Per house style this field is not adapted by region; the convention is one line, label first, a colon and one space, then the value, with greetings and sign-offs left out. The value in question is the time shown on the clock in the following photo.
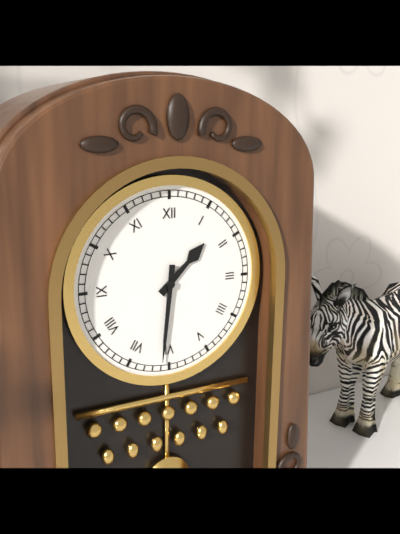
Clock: 1:31
